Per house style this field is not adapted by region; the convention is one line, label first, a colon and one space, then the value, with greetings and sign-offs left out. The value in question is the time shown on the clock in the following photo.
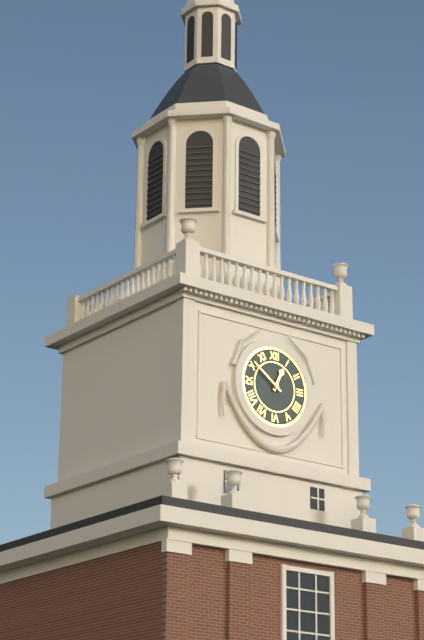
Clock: 12:51
